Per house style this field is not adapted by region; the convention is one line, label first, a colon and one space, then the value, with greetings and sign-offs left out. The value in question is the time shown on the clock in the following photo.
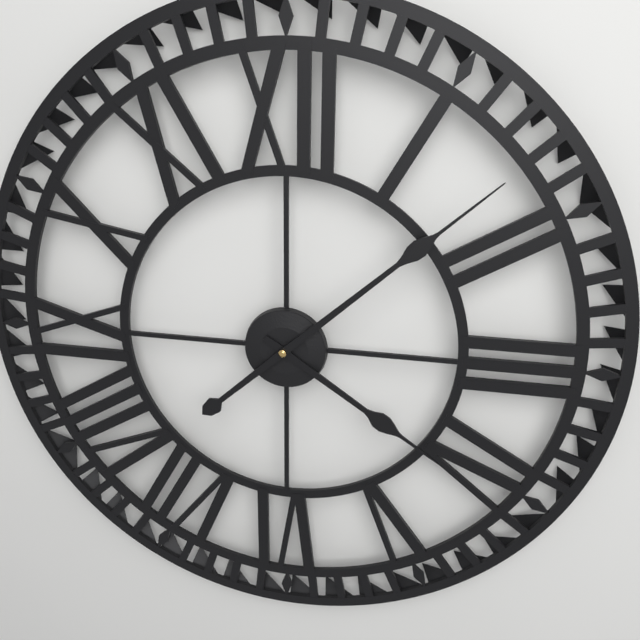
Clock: 4:08
